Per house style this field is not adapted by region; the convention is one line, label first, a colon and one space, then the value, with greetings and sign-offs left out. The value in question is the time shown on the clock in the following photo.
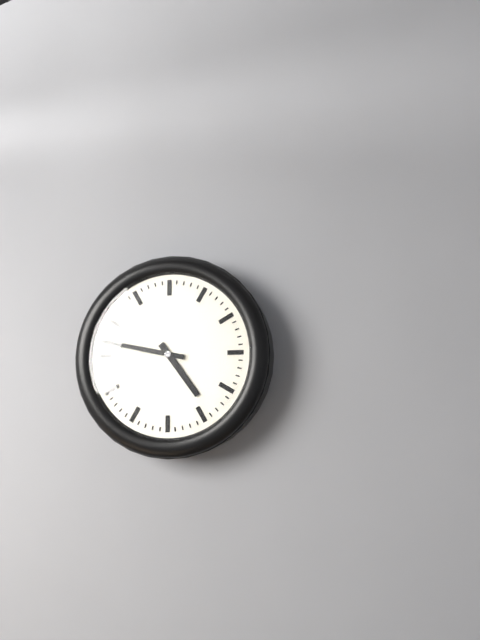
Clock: 4:47
